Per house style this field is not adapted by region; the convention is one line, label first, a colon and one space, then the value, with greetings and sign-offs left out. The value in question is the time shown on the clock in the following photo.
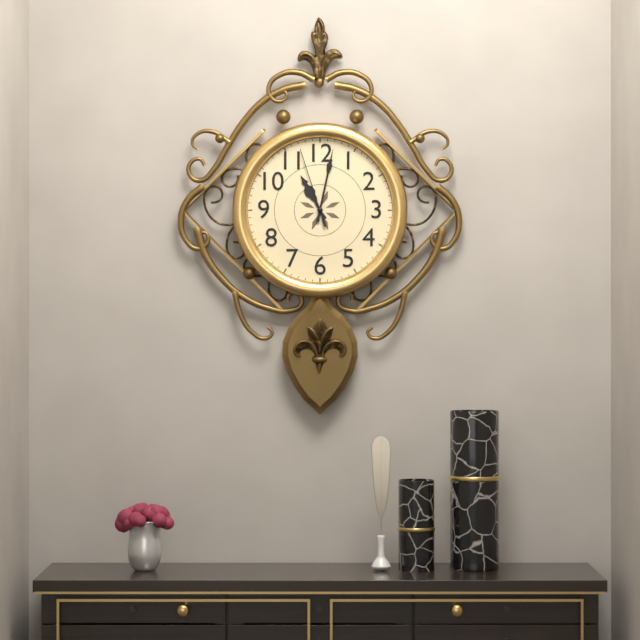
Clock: 11:02:57
